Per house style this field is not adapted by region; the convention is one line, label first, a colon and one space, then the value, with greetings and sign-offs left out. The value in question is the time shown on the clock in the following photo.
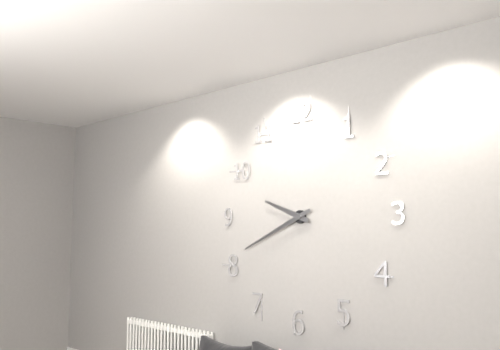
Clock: 9:41
